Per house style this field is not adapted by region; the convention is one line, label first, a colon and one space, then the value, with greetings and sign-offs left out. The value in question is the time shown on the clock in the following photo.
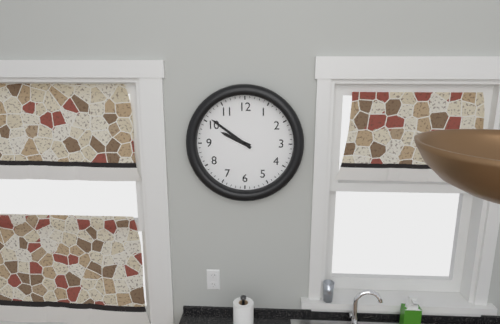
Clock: 9:51
